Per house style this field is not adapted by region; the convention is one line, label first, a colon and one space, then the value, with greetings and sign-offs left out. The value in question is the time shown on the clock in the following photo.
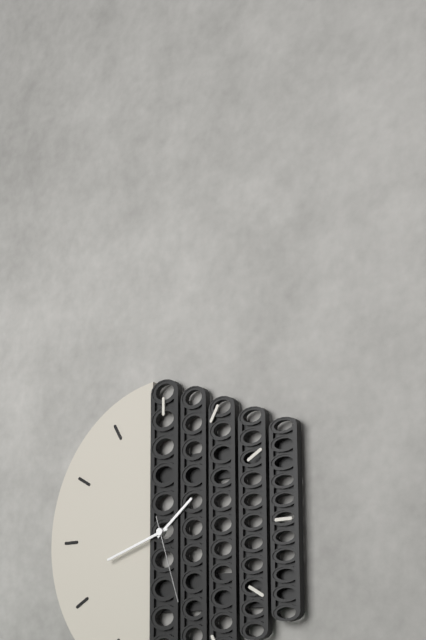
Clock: 1:42:27
